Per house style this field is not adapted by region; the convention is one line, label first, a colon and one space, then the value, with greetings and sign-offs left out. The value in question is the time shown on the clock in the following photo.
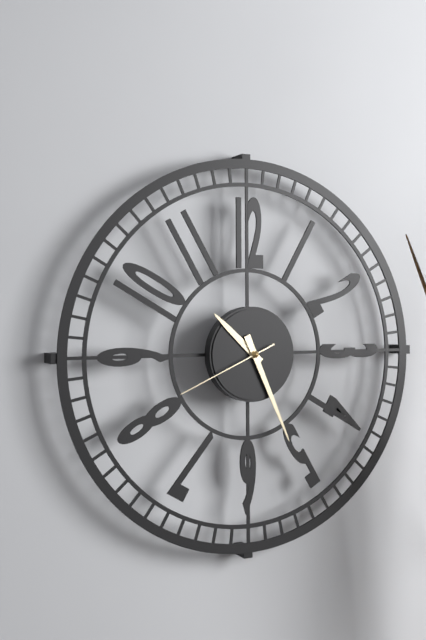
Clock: 10:26:41
